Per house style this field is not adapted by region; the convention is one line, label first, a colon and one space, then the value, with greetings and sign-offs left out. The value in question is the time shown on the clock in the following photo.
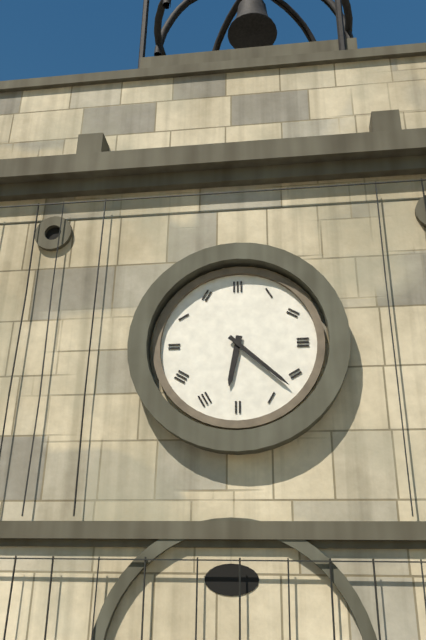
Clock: 6:22
